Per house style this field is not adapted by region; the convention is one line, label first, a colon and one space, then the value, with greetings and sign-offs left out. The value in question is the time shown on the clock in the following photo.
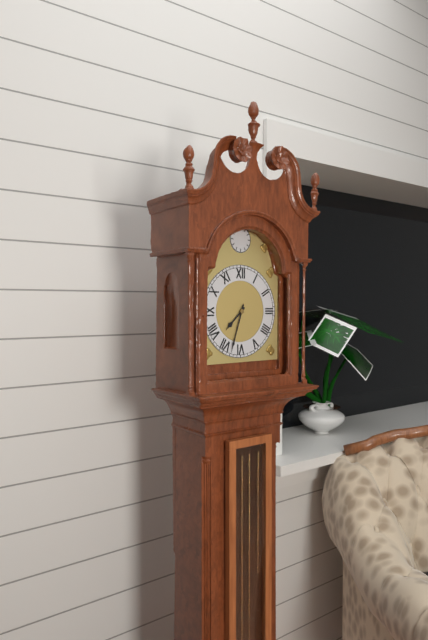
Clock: 7:33
